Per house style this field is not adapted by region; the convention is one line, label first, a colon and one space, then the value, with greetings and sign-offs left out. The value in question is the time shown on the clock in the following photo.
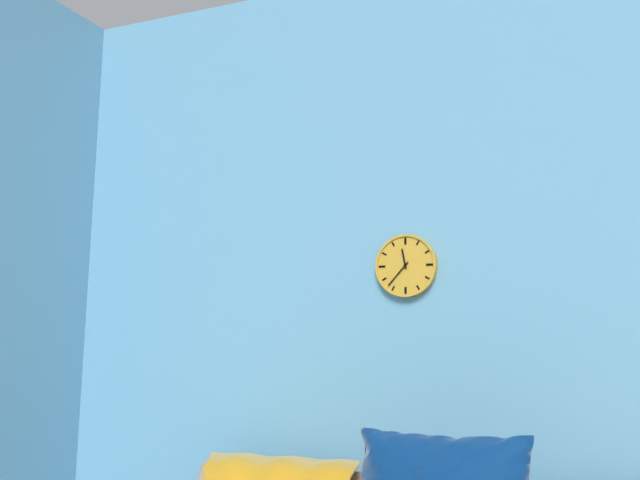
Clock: 11:37
